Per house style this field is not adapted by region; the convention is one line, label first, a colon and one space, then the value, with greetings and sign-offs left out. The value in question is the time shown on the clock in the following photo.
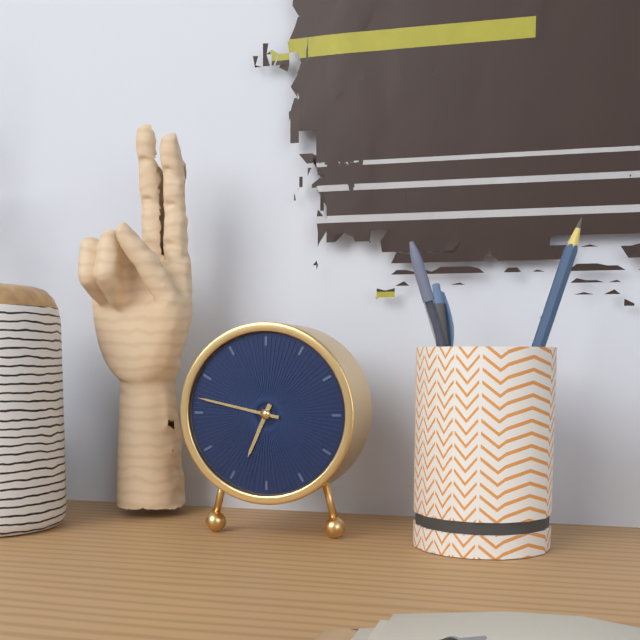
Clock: 6:47
